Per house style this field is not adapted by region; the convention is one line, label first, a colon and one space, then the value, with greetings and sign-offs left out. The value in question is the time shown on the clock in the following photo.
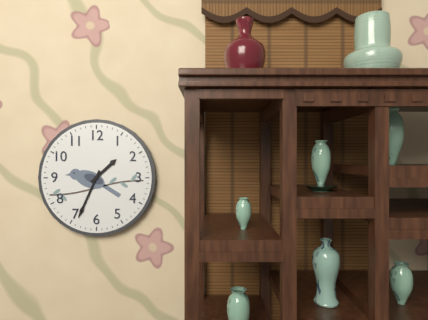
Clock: 1:34
